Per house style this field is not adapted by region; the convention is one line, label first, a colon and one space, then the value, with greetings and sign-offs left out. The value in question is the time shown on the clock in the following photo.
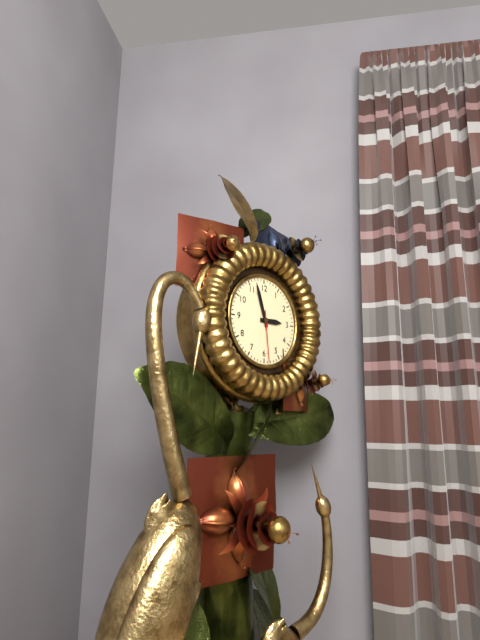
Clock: 2:57:29
